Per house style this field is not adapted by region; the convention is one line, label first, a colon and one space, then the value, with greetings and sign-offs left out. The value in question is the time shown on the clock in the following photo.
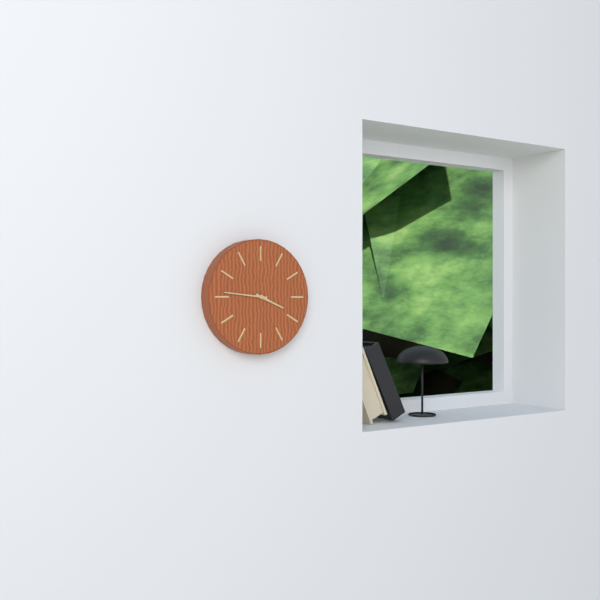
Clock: 3:46
